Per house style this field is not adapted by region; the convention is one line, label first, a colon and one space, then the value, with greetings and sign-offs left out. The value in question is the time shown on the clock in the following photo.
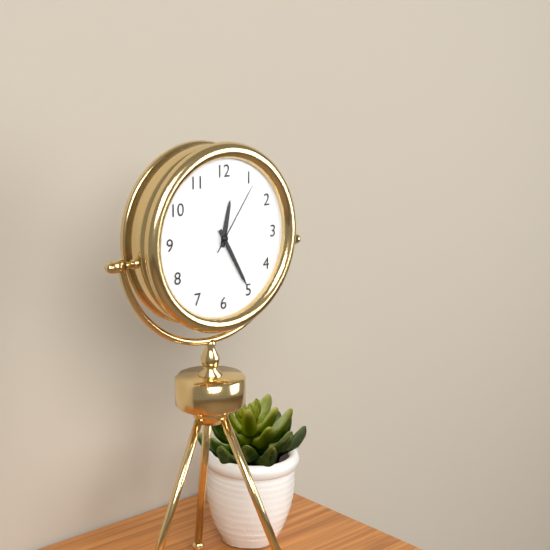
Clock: 12:25:06
